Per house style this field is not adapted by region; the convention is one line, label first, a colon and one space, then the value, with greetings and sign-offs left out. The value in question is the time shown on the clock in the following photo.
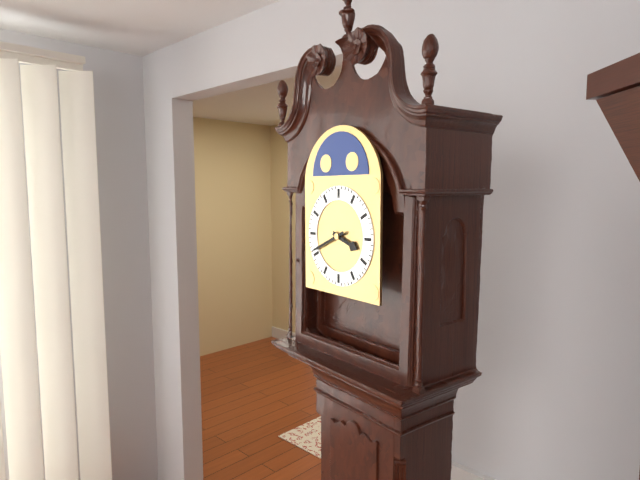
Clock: 3:41
